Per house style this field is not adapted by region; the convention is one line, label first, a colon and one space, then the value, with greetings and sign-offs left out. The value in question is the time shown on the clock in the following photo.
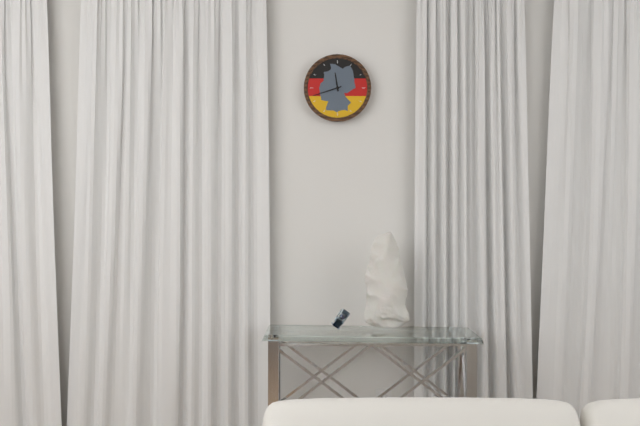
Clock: 11:42
